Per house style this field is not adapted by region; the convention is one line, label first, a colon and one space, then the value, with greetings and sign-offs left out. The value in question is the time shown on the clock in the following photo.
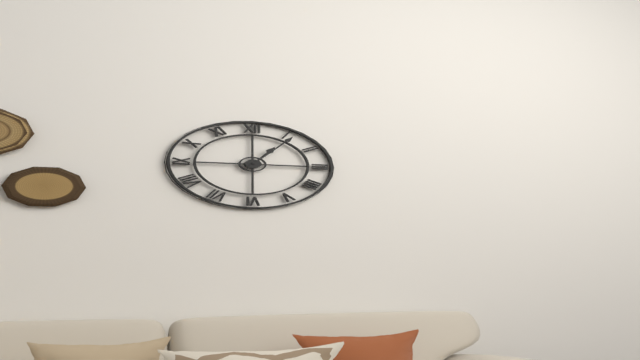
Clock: 1:06
